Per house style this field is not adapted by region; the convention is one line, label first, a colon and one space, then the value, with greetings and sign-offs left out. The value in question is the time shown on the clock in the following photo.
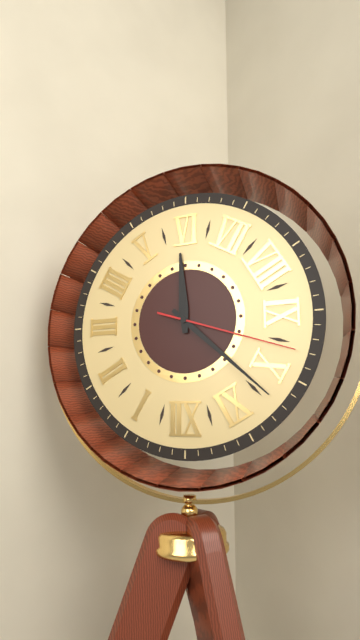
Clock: 5:52:48
